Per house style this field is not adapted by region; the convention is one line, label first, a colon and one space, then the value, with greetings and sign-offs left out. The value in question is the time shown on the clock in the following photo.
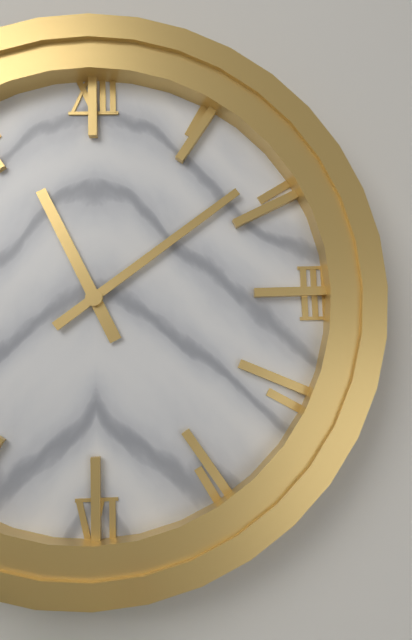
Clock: 11:09
